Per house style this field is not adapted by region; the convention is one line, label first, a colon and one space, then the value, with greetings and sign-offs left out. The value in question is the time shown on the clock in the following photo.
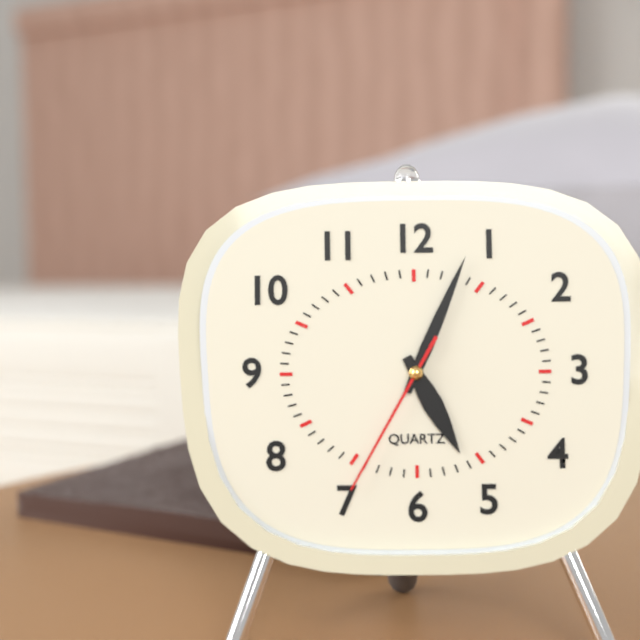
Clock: 5:04:35
